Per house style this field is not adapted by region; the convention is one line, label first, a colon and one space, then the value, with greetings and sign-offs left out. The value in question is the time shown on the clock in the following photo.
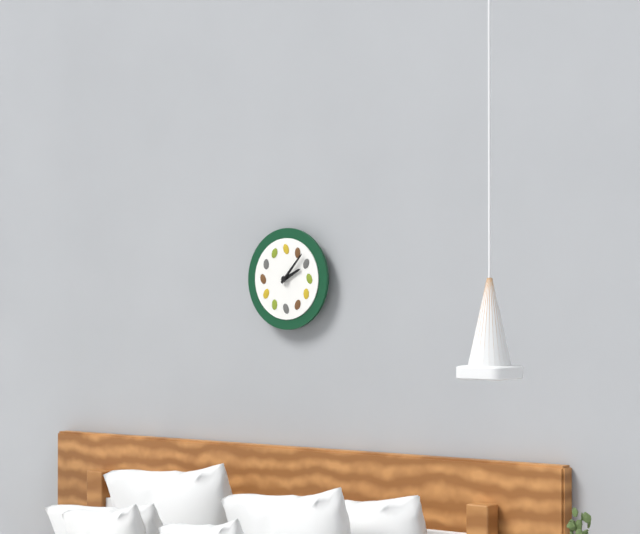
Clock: 2:07
